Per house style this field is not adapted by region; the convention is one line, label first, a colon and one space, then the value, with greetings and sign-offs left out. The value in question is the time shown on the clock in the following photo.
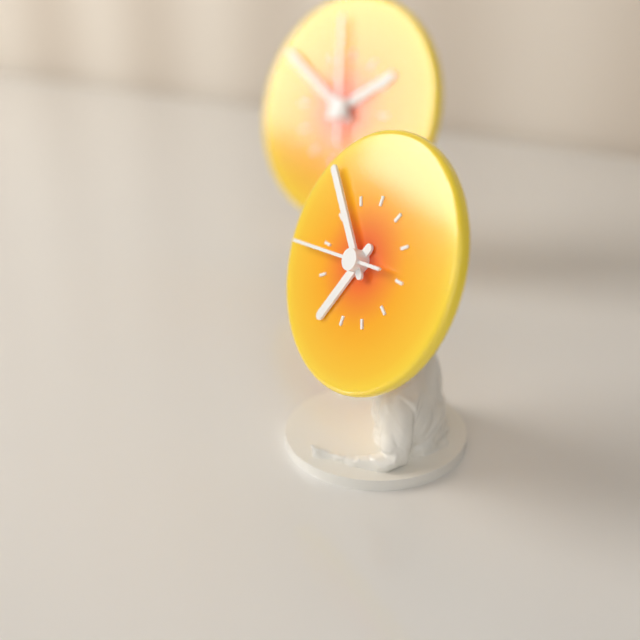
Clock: 6:52:44
